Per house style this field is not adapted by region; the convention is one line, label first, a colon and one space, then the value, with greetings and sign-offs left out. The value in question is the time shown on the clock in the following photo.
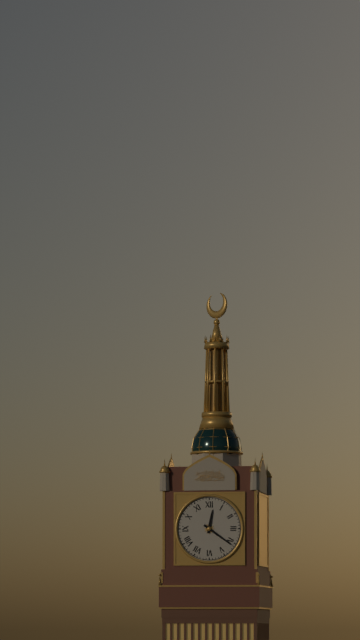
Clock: 12:21
